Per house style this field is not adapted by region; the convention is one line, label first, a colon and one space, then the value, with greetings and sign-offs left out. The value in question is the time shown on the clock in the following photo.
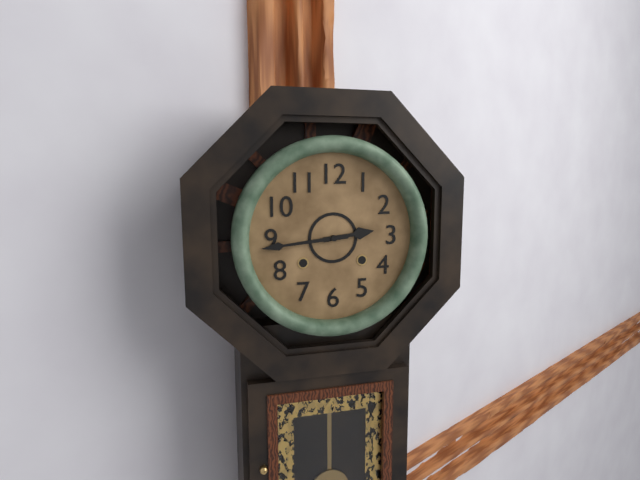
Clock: 2:44
